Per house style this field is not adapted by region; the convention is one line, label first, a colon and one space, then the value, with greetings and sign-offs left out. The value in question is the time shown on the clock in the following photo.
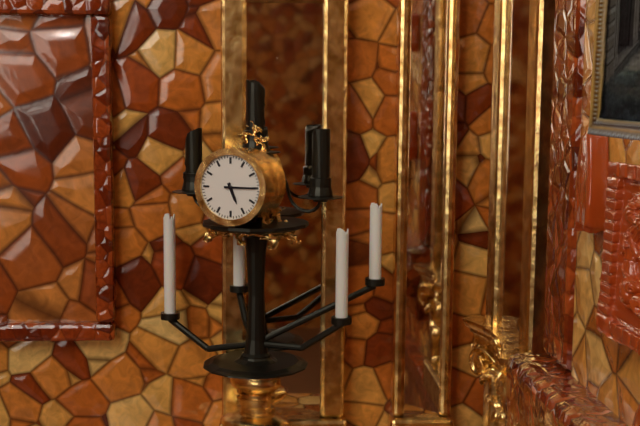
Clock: 5:15
